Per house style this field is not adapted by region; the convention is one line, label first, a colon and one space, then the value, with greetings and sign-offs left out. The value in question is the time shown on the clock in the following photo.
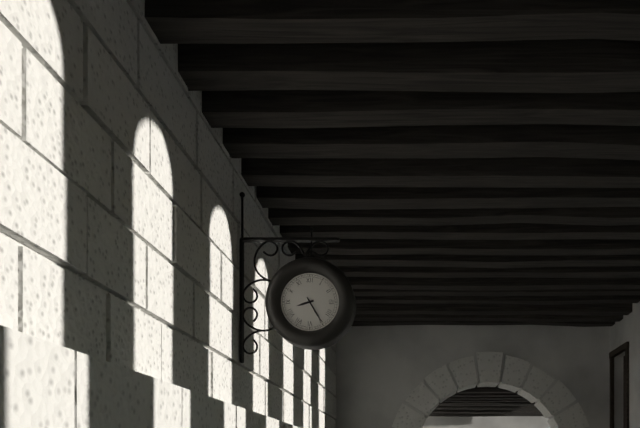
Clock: 8:25
